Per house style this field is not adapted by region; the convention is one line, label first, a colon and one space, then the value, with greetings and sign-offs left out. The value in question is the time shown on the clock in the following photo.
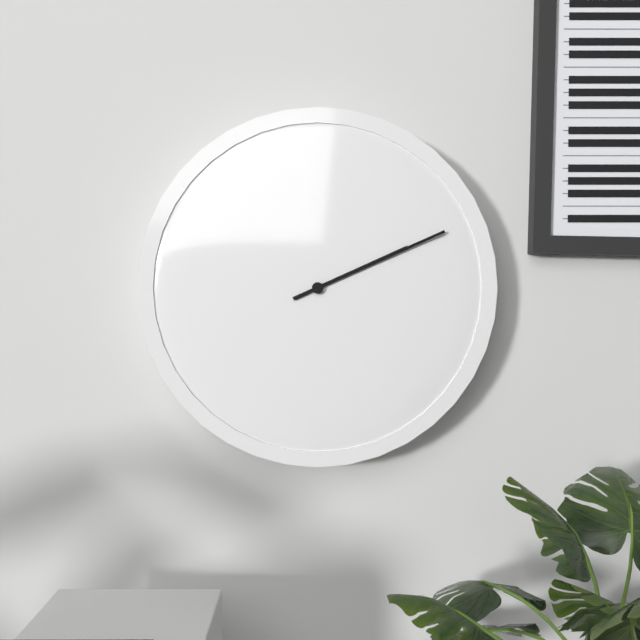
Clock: 2:11
